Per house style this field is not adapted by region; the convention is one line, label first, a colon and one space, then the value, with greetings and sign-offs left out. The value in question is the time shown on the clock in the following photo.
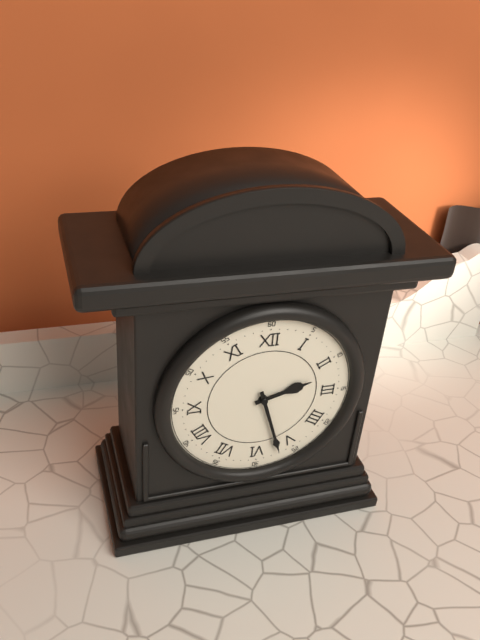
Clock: 2:27
